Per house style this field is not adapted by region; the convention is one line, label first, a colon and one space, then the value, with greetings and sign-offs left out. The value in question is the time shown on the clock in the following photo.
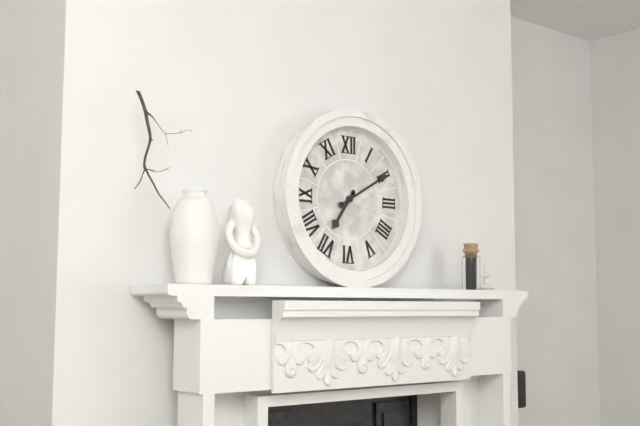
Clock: 7:10
